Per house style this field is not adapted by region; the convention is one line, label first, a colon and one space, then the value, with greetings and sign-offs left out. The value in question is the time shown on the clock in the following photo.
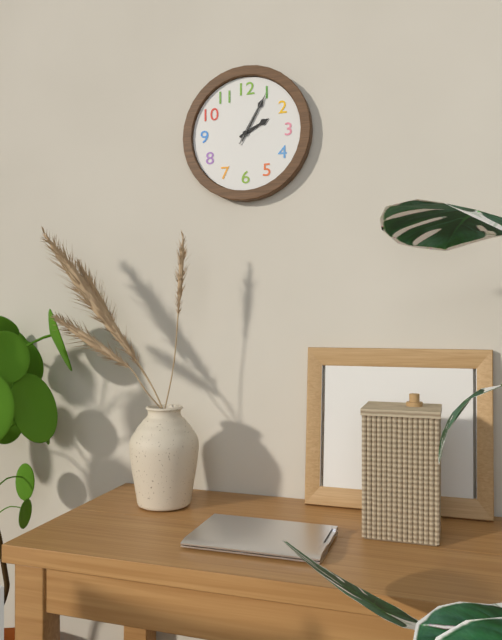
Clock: 2:05:05
